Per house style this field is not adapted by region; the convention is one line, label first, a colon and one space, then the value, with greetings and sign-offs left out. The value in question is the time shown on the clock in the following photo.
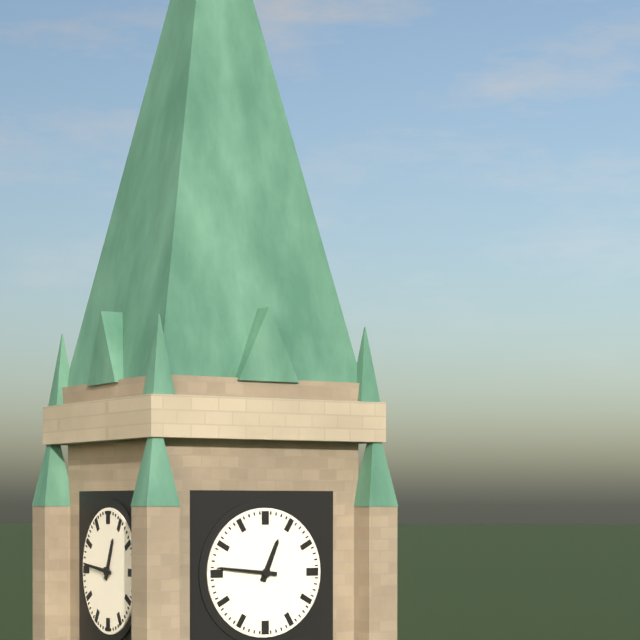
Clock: 12:46
